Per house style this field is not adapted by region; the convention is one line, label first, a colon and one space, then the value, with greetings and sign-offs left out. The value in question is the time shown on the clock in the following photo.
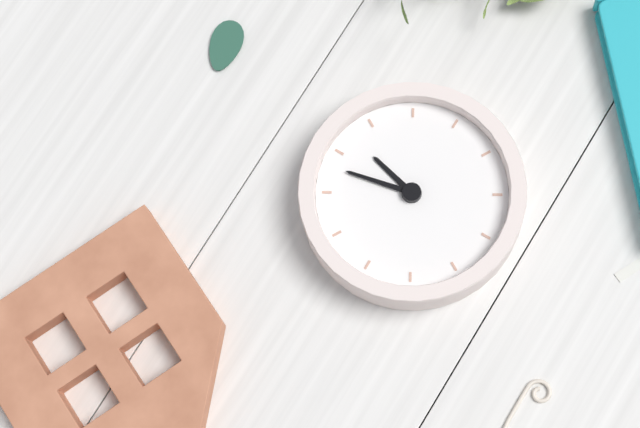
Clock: 6:28
